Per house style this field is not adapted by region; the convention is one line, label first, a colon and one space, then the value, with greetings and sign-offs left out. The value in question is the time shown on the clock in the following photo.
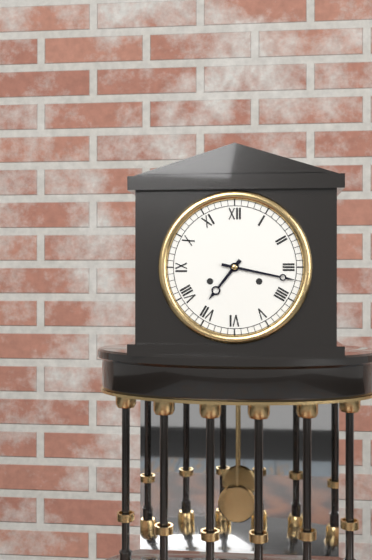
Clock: 7:17
